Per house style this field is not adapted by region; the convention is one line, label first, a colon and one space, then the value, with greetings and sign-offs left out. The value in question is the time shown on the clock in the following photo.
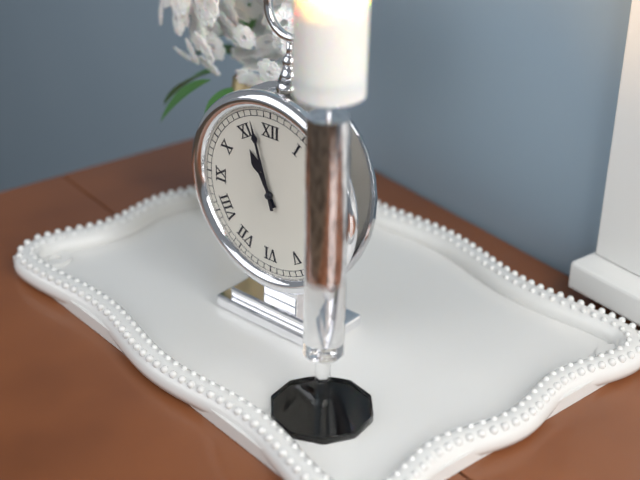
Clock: 10:57
